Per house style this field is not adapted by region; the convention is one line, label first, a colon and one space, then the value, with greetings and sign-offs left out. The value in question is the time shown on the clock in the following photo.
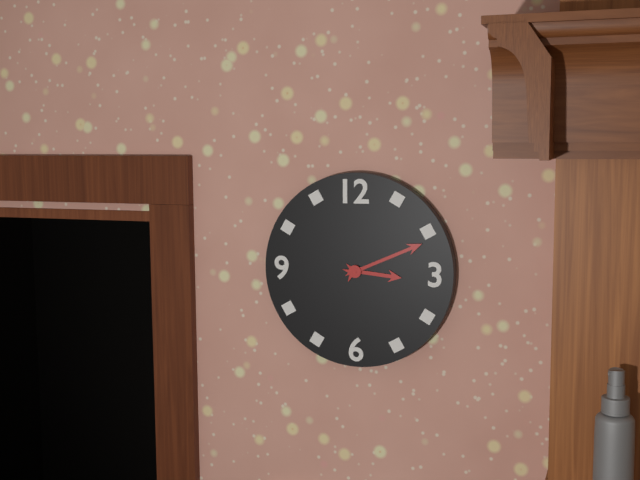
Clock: 3:11
